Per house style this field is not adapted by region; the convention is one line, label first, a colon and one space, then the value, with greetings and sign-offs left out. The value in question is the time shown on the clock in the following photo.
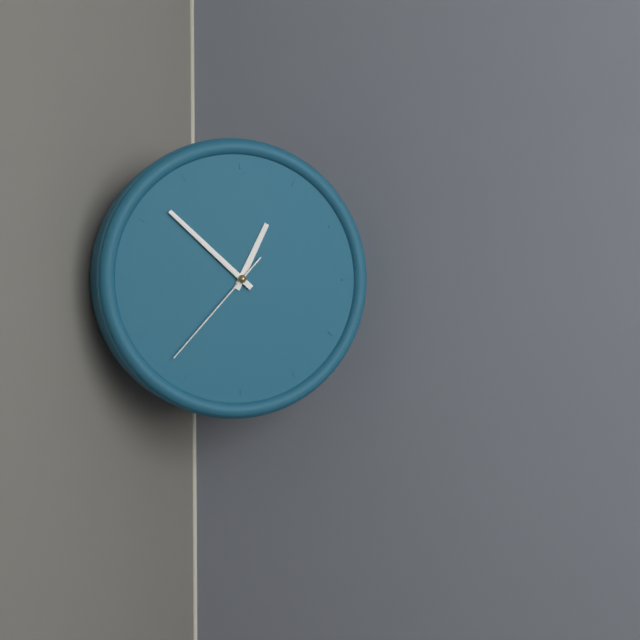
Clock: 12:52:37
